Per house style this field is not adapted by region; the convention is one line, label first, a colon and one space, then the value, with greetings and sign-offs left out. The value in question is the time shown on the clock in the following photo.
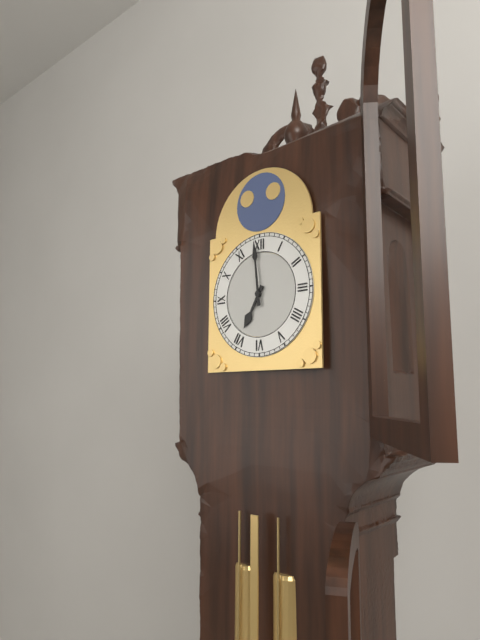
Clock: 6:59
